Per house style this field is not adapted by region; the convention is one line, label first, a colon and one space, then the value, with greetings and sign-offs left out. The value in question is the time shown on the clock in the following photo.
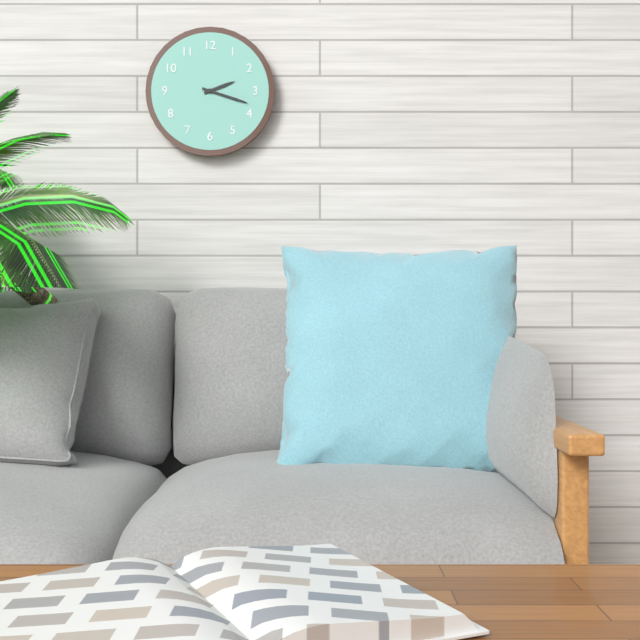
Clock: 2:18
